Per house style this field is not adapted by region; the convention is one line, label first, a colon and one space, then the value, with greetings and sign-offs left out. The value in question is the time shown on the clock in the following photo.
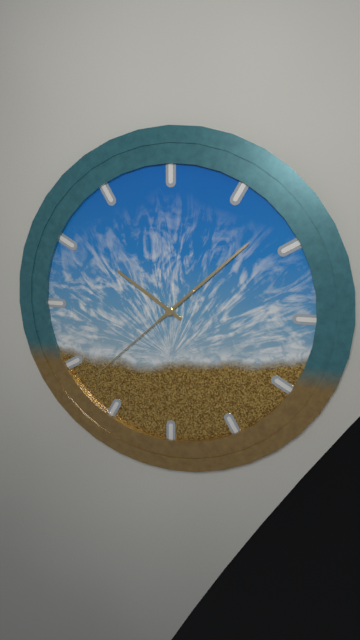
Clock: 10:08:38
